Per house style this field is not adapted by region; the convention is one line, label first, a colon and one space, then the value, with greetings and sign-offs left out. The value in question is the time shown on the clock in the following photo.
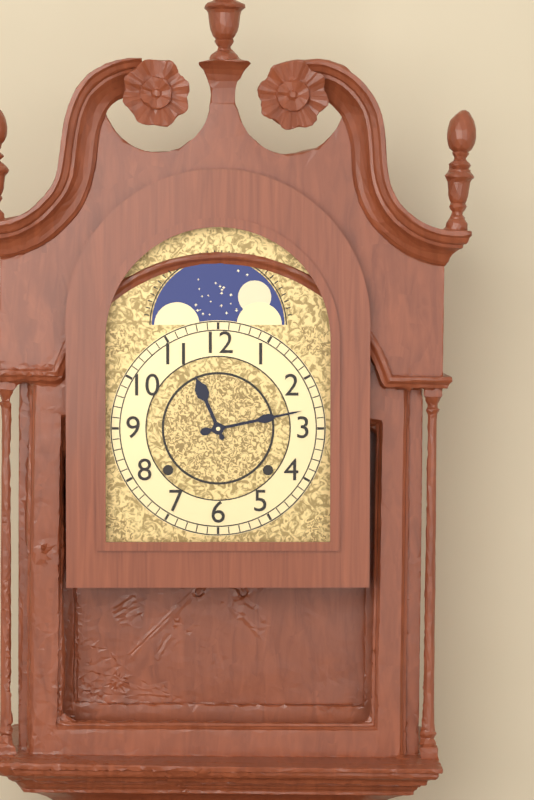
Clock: 11:13
